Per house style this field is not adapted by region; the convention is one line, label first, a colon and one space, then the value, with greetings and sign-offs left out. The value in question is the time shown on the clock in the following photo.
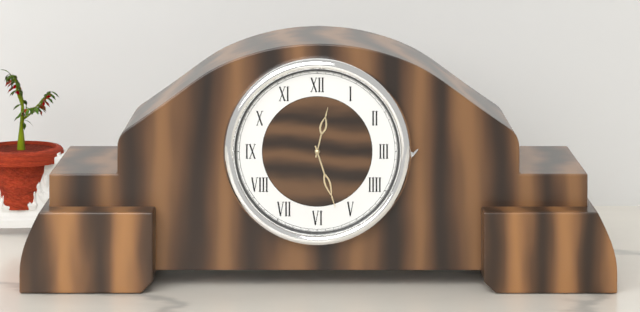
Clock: 12:27
